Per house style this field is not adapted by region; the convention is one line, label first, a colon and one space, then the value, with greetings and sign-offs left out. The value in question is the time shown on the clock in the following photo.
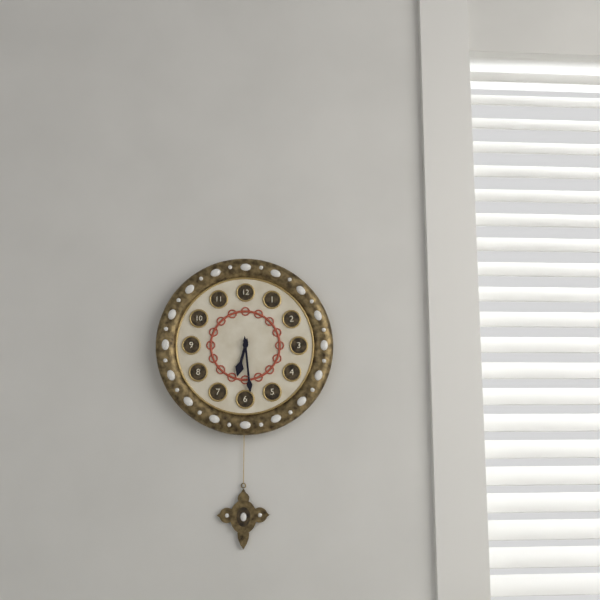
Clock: 6:29
